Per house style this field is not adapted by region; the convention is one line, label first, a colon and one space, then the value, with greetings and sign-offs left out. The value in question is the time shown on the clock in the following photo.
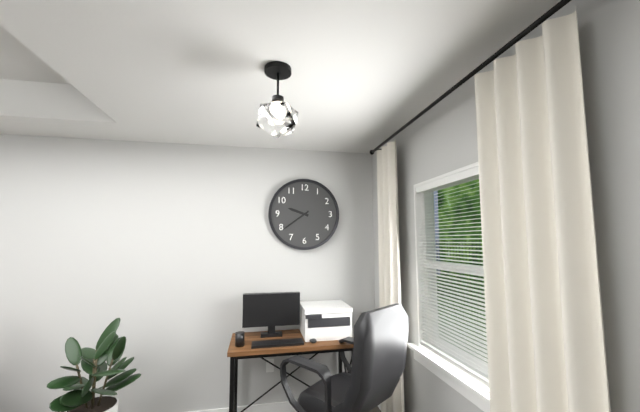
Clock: 9:39
